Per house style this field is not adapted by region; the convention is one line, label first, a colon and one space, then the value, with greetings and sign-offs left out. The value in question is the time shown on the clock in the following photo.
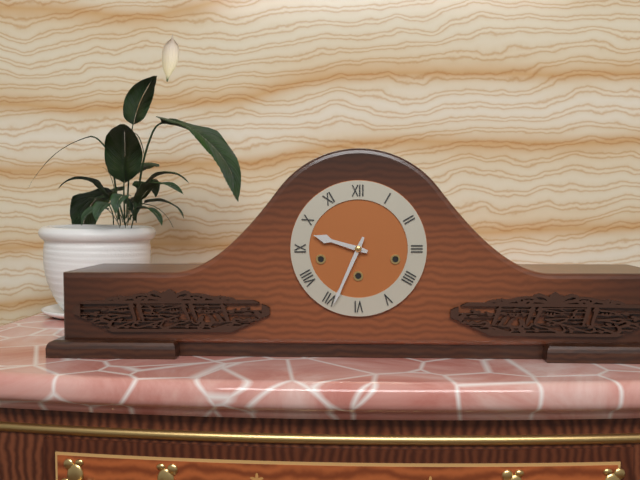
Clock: 9:34
